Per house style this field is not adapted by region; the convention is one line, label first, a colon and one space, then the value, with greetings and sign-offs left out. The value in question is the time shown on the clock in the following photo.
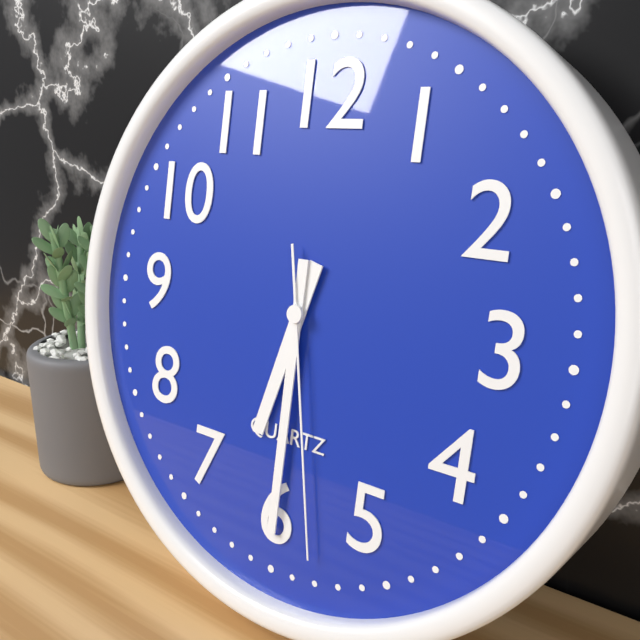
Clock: 6:30:28
